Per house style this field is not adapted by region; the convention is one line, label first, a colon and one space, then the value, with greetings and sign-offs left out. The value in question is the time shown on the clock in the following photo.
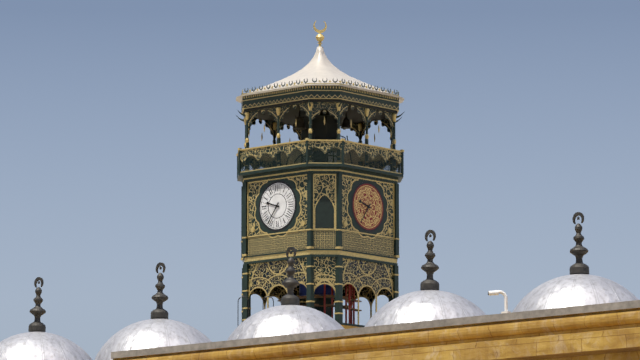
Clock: 9:36
